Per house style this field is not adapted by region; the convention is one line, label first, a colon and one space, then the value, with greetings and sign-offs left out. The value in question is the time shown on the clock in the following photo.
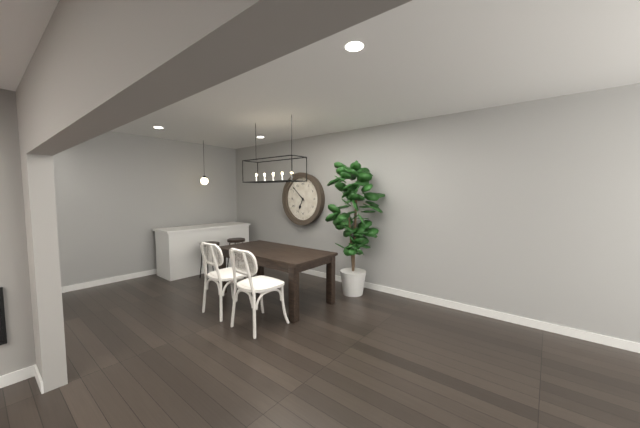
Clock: 6:52
